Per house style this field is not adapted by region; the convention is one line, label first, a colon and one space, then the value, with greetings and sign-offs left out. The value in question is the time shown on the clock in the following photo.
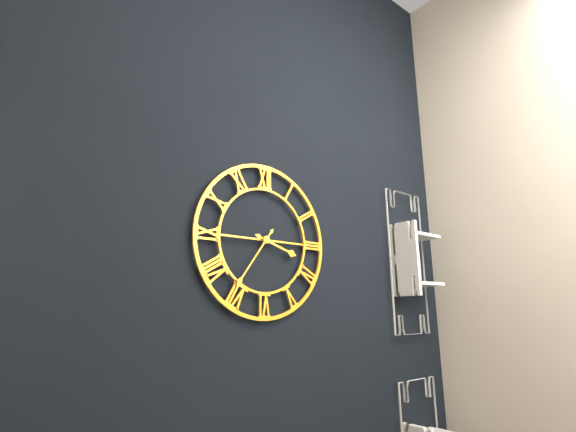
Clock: 3:36
